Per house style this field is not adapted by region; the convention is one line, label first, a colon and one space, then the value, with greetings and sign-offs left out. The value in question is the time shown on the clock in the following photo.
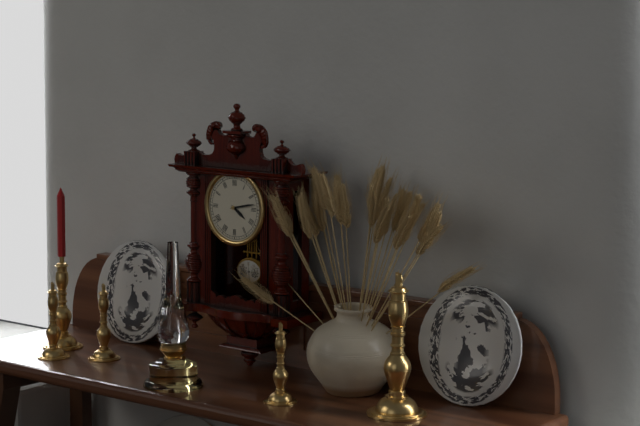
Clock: 4:13
